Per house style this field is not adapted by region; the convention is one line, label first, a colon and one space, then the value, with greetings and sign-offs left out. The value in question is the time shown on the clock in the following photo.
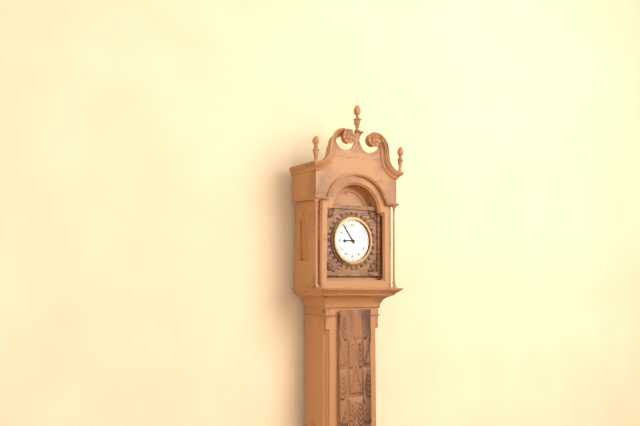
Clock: 8:54
